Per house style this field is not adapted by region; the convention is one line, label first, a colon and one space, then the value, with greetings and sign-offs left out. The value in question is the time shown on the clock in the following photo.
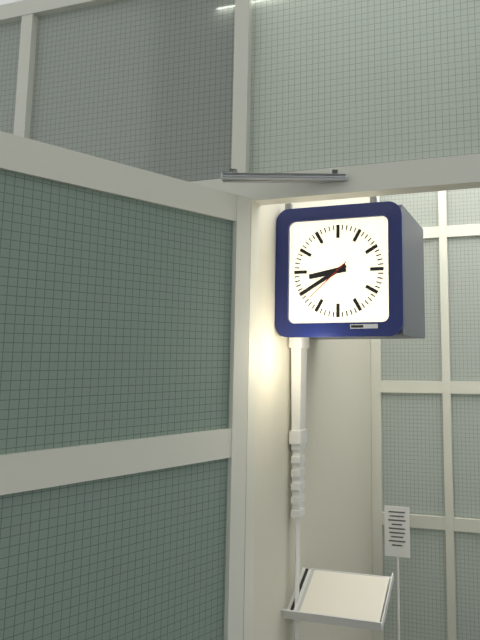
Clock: 8:40
